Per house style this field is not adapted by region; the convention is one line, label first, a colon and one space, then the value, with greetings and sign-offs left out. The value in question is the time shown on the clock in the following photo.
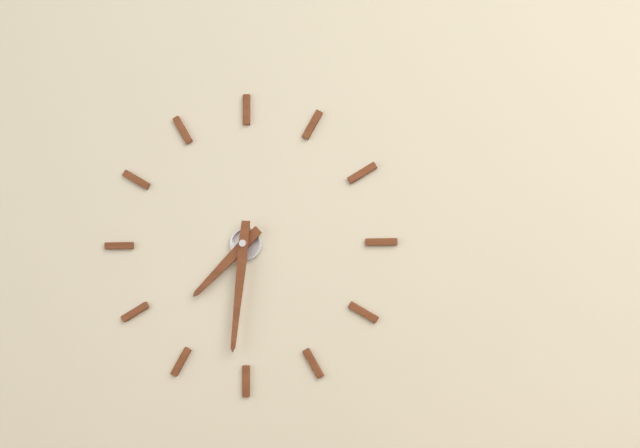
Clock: 7:31
